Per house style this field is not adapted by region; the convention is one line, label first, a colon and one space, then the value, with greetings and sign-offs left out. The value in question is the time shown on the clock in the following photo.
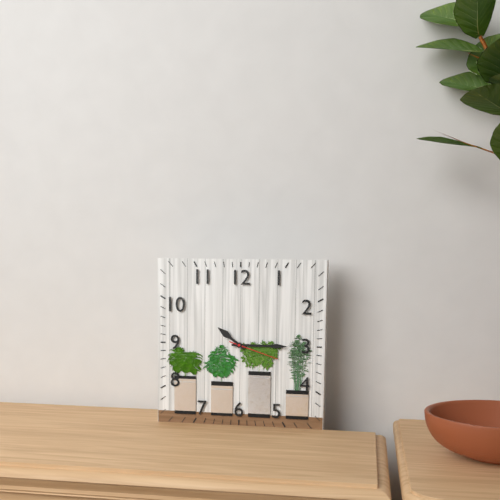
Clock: 10:15:18
